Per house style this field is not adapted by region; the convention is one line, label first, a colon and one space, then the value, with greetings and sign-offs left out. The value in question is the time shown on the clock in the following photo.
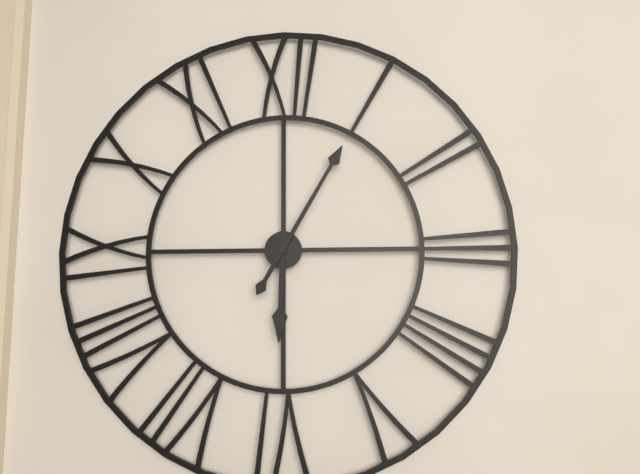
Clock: 6:05
